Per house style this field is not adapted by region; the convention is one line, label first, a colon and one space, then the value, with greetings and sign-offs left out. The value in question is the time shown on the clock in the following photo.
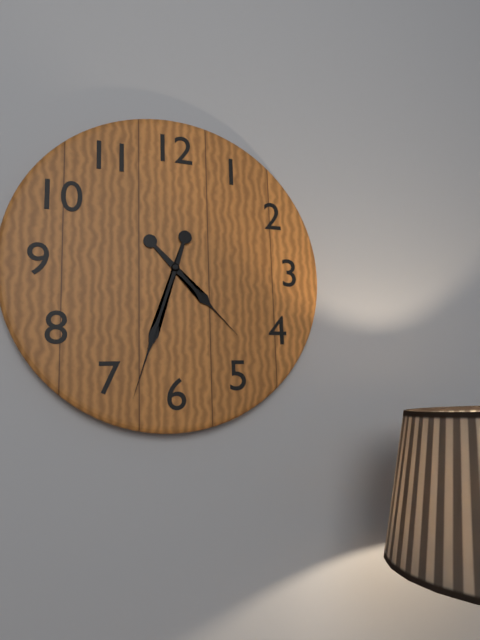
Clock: 4:33
